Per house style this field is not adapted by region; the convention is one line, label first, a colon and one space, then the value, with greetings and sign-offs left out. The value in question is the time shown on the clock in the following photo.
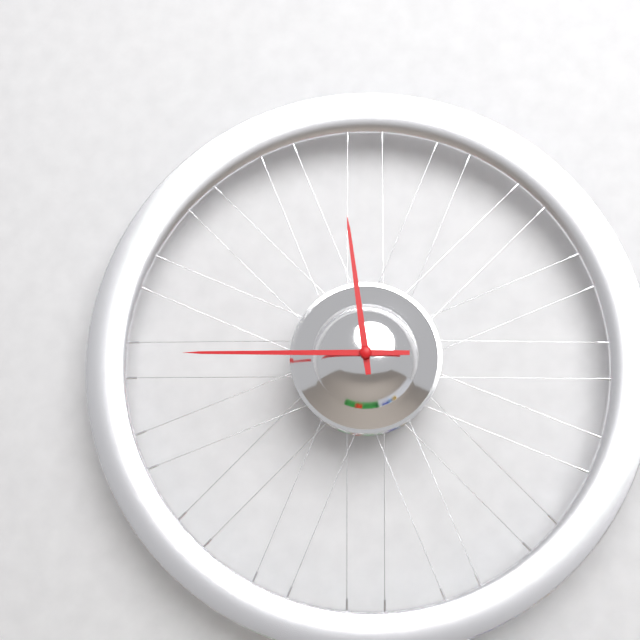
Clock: 11:45
